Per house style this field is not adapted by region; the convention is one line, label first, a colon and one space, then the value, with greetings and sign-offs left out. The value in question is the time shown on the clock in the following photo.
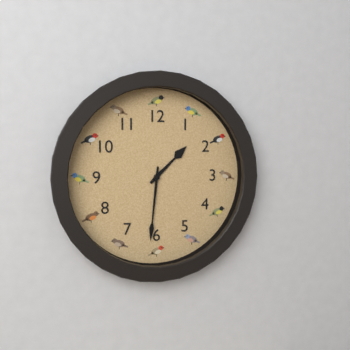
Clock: 1:31
